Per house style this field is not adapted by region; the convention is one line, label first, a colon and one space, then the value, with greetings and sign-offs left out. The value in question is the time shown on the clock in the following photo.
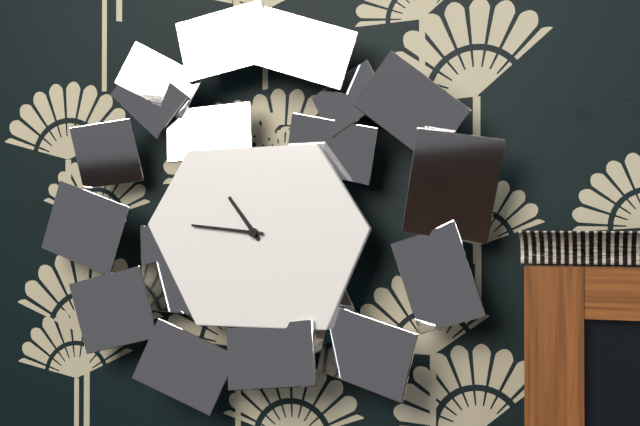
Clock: 10:46
